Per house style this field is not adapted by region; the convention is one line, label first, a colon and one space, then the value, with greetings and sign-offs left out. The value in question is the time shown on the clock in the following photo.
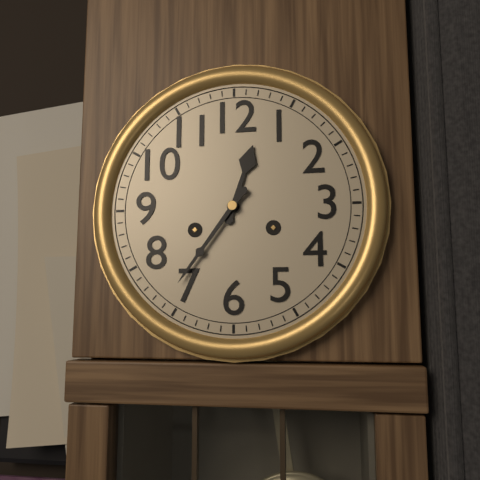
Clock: 12:36
